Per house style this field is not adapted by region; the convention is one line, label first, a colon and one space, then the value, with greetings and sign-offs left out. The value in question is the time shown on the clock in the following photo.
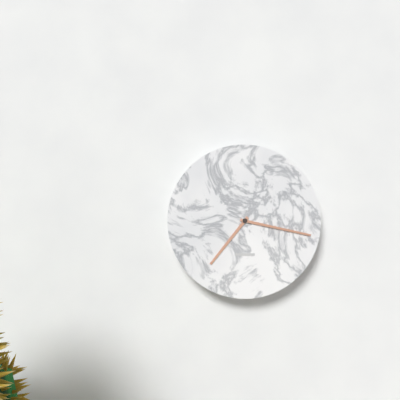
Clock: 7:17
